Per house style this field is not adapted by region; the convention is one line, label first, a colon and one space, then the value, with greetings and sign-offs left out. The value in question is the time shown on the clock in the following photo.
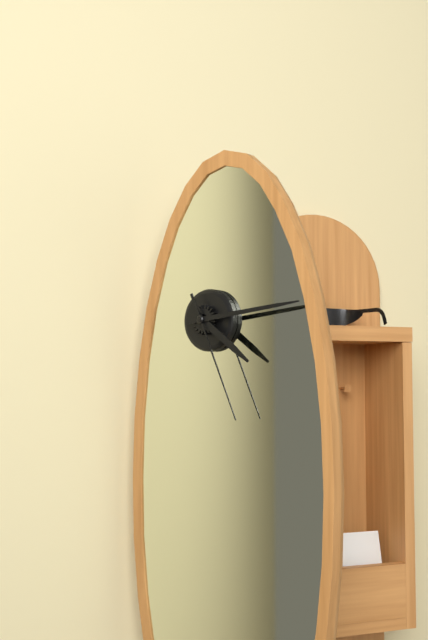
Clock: 4:14:26
